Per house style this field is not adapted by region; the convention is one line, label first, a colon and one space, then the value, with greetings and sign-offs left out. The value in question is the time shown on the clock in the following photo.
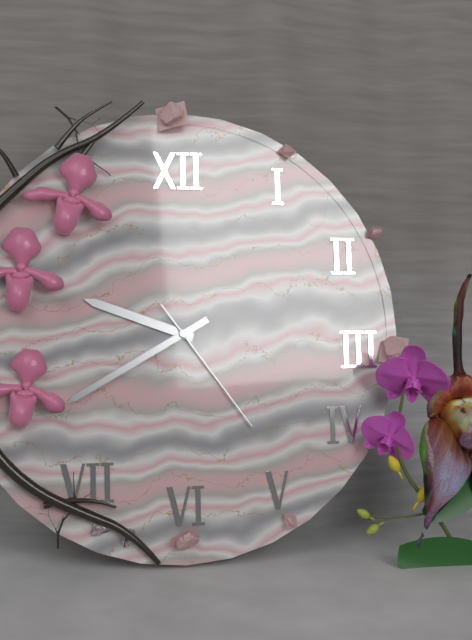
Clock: 9:40:24
